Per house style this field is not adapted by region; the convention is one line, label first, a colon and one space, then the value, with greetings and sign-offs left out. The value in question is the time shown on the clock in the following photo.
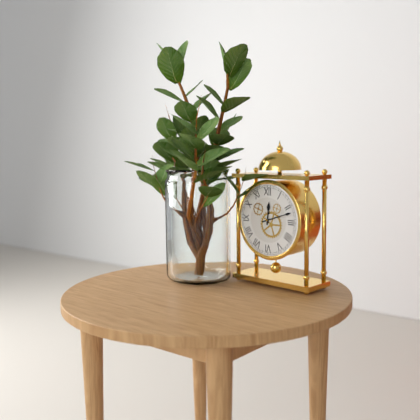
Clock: 12:12
